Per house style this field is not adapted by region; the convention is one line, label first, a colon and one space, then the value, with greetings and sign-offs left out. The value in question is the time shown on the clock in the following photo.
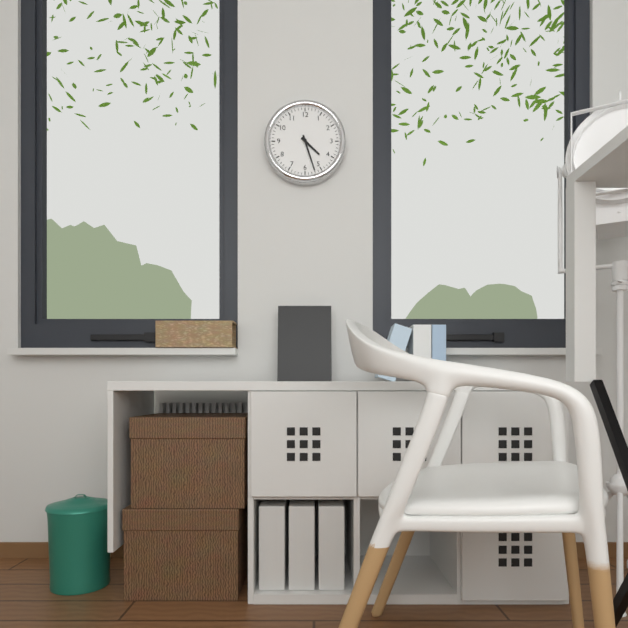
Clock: 4:27
